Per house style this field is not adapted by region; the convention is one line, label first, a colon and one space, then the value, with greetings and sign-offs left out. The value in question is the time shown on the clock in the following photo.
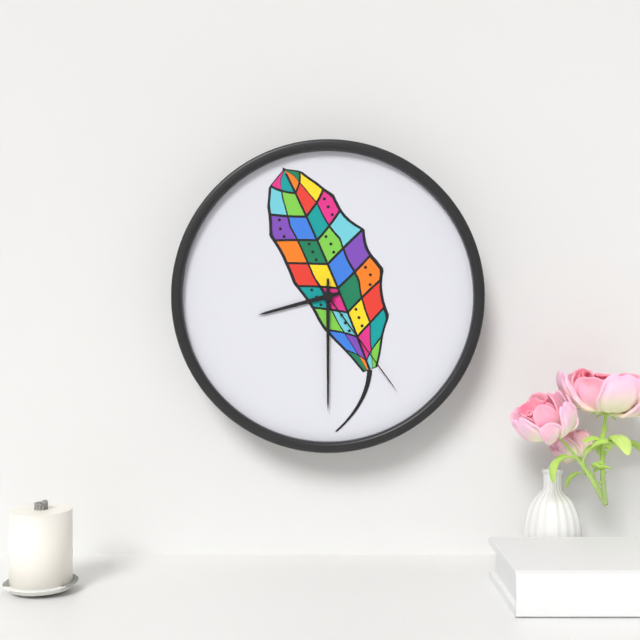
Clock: 8:30:24
